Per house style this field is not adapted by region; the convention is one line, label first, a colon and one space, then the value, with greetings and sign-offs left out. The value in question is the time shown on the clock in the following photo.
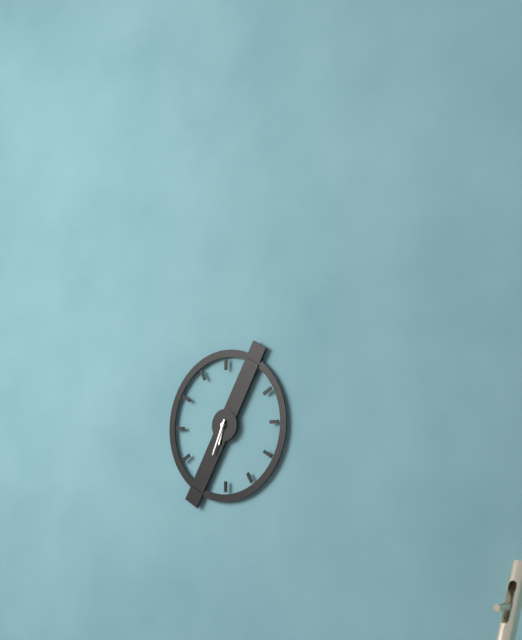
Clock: 6:34
